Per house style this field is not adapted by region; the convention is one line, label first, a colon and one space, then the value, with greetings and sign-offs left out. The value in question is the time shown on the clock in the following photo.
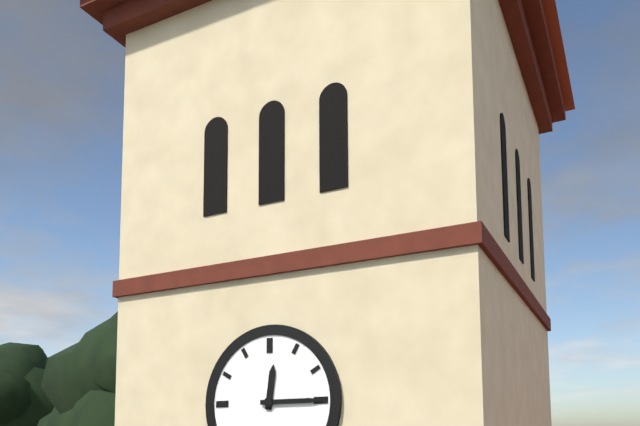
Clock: 12:15
